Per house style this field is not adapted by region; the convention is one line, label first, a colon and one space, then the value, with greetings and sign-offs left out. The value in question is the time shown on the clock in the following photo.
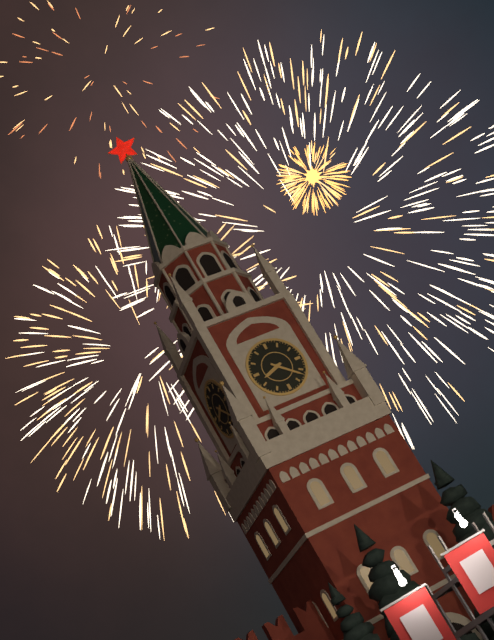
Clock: 8:22
